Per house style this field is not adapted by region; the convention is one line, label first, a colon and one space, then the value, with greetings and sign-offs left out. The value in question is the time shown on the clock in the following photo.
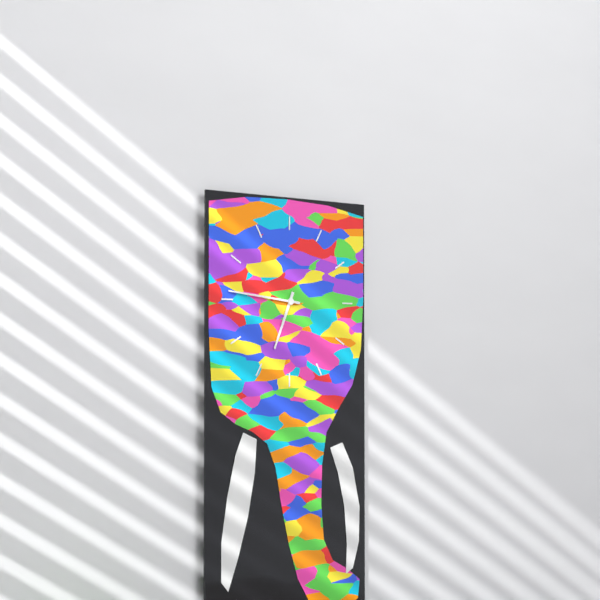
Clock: 6:46
